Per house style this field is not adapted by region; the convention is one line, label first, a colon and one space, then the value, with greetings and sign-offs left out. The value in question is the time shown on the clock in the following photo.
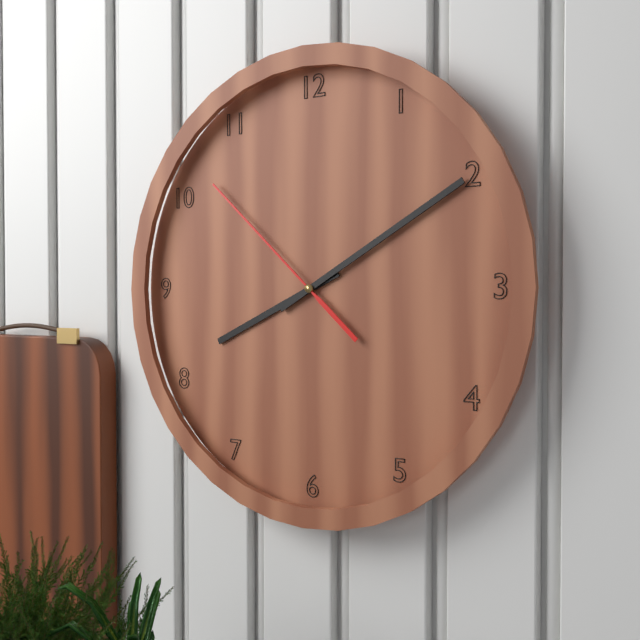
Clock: 8:10:52
